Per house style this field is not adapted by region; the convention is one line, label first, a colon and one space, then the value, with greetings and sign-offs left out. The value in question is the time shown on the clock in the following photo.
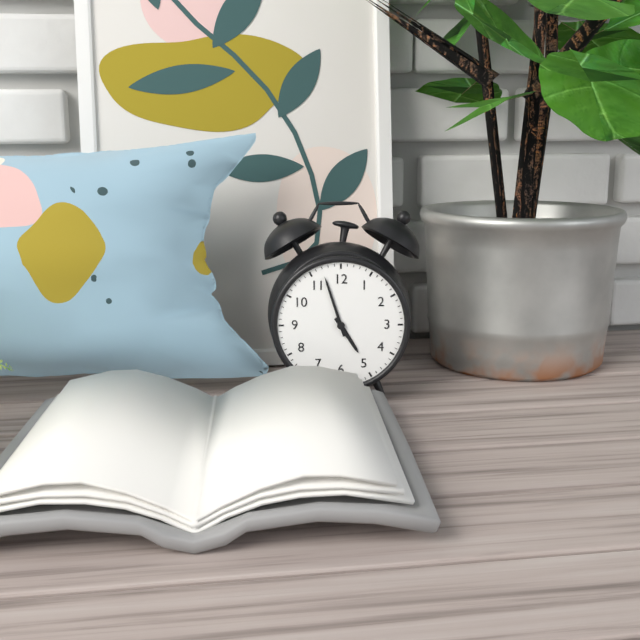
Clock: 4:57
